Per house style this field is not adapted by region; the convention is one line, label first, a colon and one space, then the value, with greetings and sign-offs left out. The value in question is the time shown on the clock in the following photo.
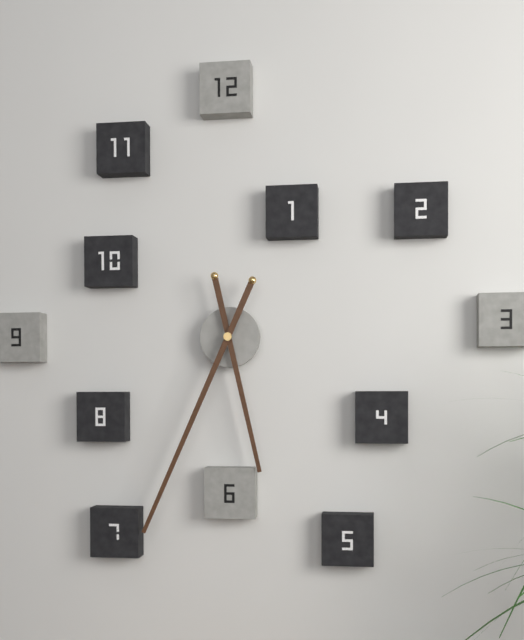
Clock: 5:34
